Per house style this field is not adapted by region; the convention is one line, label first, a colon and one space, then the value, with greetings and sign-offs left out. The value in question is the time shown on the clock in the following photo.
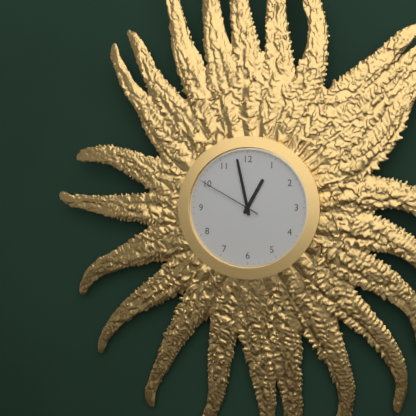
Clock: 12:58:50
